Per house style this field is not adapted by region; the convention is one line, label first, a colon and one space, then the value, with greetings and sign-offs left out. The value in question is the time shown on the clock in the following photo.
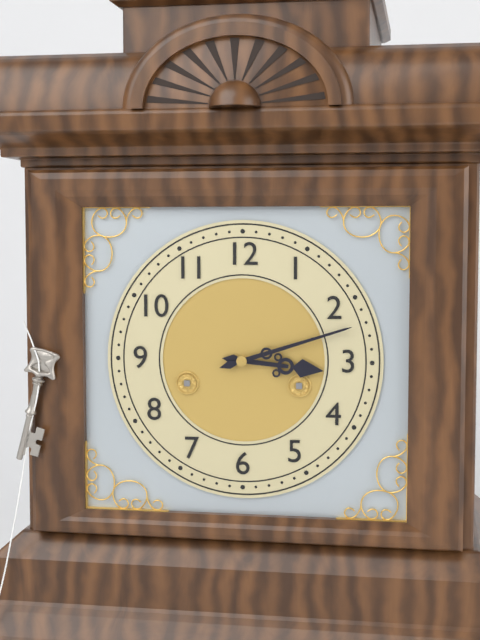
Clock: 3:12
